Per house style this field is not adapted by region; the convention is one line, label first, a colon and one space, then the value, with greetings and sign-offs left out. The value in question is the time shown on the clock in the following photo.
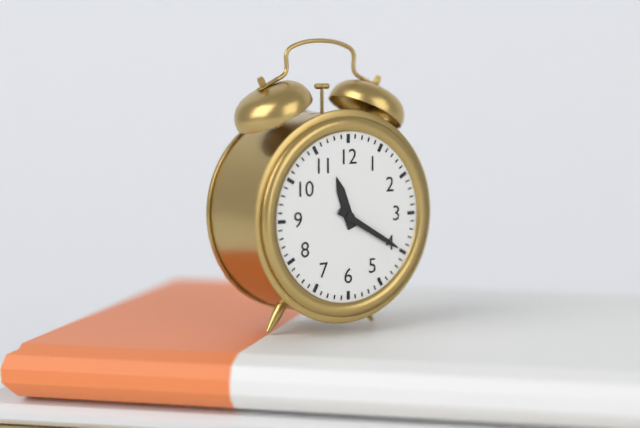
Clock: 11:20
